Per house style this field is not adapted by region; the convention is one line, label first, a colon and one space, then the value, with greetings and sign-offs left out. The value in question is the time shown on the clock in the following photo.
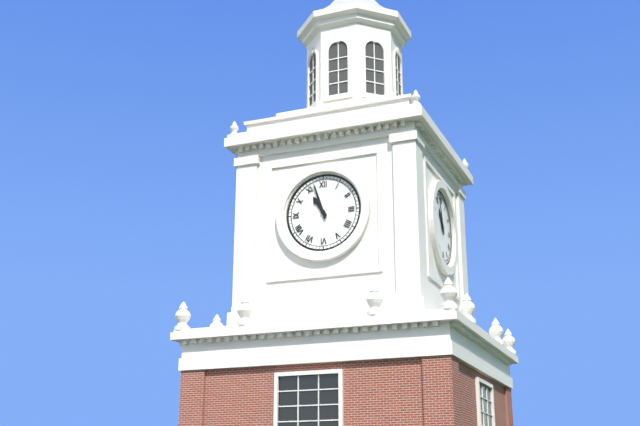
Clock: 10:57
